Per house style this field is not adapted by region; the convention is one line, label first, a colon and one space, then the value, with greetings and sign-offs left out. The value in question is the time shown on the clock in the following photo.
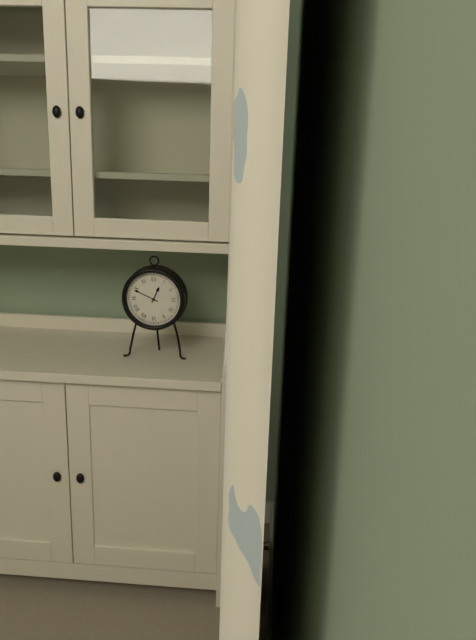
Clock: 12:49
